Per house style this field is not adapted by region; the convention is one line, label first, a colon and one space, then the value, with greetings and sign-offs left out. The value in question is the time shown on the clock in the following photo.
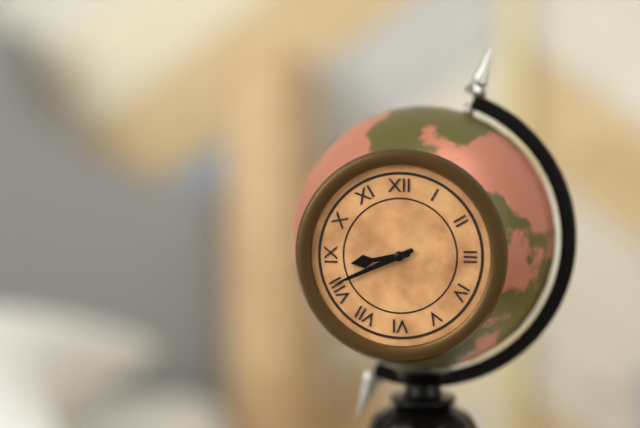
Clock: 8:41
